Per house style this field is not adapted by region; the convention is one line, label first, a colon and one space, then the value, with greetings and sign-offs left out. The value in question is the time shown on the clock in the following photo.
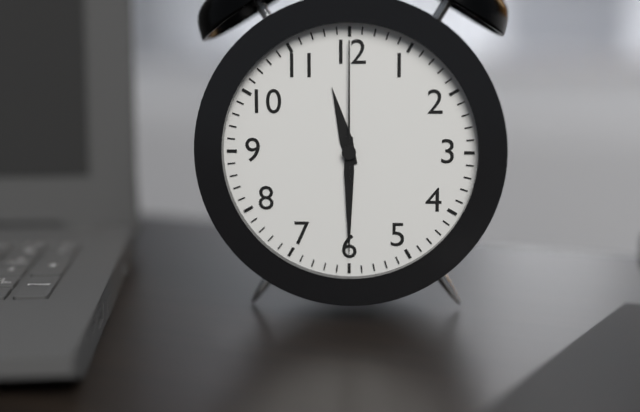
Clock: 11:30:00
